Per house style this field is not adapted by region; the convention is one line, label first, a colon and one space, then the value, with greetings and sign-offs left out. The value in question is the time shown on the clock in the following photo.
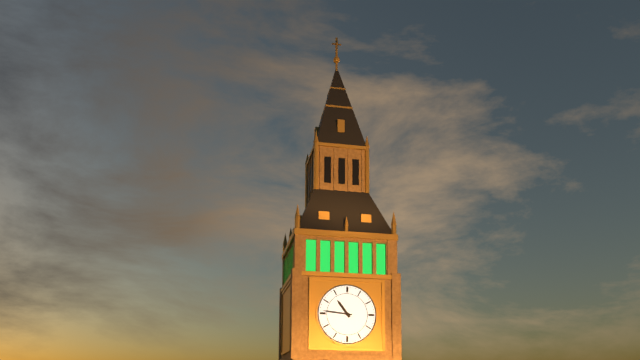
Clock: 10:46
